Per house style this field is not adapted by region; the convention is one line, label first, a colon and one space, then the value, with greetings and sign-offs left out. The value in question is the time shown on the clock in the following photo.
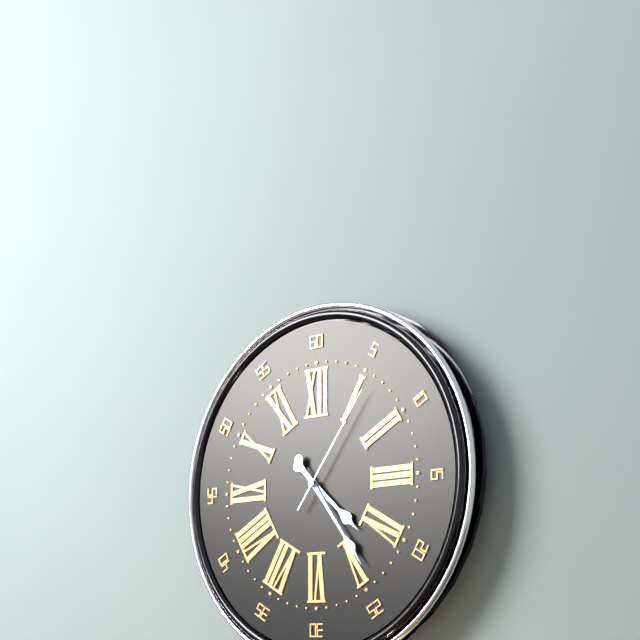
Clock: 4:24:06
